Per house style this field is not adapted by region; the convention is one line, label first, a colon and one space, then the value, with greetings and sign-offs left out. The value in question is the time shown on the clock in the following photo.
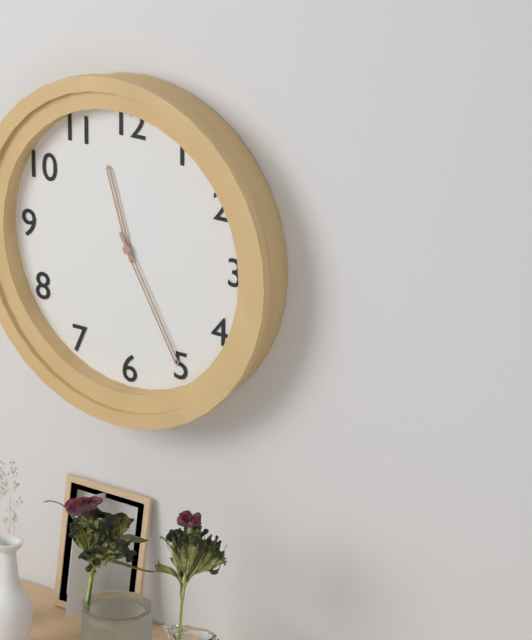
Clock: 11:25
